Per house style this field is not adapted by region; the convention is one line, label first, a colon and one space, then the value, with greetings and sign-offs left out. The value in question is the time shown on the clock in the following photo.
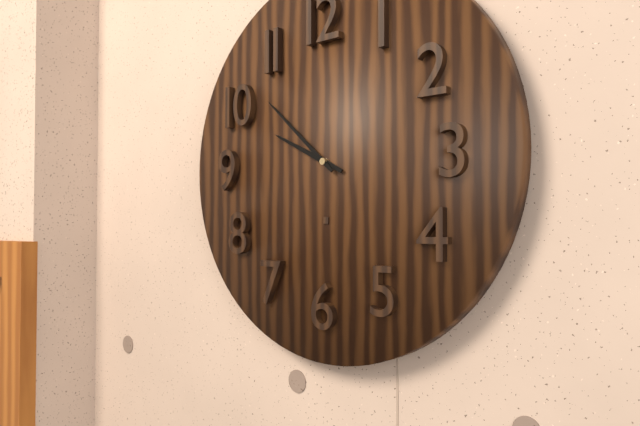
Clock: 9:52
